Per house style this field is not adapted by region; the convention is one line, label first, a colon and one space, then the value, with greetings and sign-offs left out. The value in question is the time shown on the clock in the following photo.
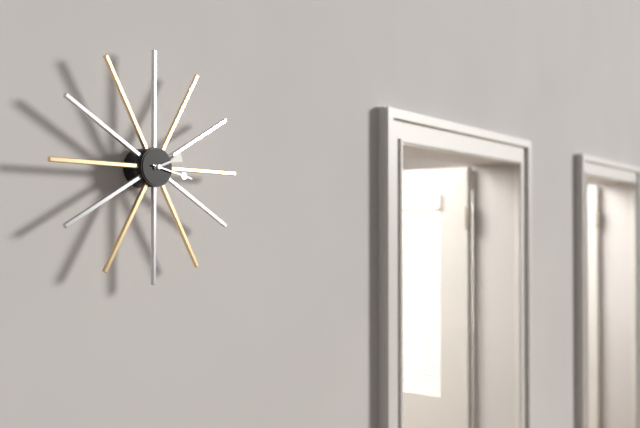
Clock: 2:17
